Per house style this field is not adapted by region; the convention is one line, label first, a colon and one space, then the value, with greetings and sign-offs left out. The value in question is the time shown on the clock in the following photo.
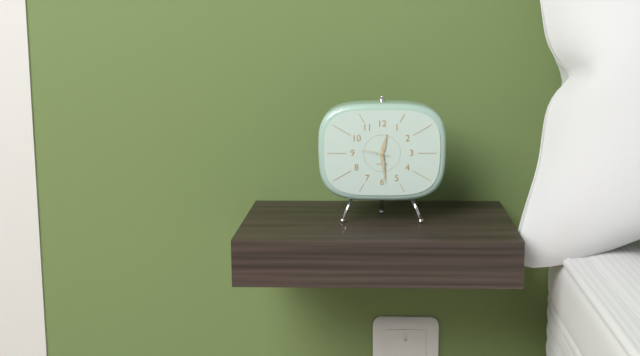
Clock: 12:29
